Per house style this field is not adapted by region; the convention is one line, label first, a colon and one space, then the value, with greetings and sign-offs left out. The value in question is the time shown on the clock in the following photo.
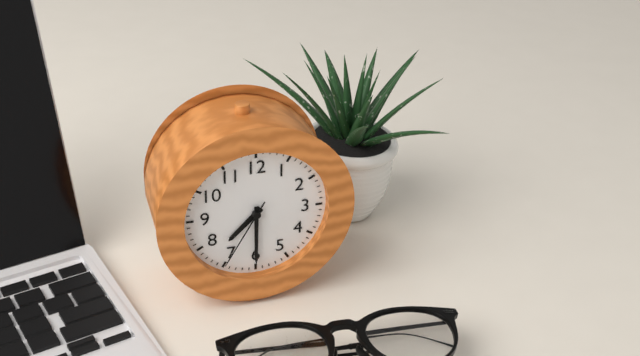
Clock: 7:30:35
